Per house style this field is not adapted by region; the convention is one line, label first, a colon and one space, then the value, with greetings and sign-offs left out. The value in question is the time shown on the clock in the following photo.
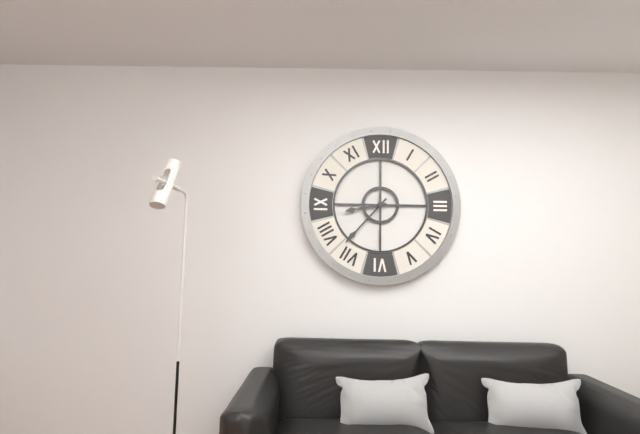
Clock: 8:37
